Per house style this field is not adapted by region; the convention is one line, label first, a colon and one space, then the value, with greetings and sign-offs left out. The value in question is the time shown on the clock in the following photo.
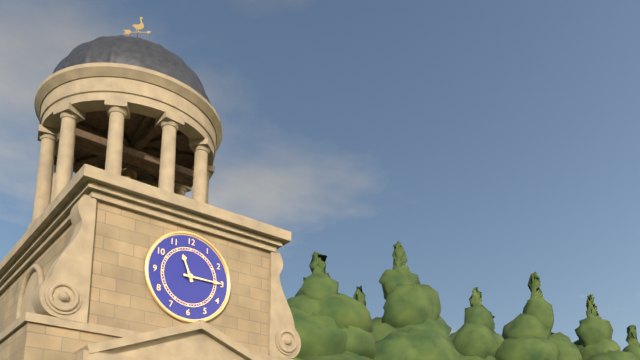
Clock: 11:15
